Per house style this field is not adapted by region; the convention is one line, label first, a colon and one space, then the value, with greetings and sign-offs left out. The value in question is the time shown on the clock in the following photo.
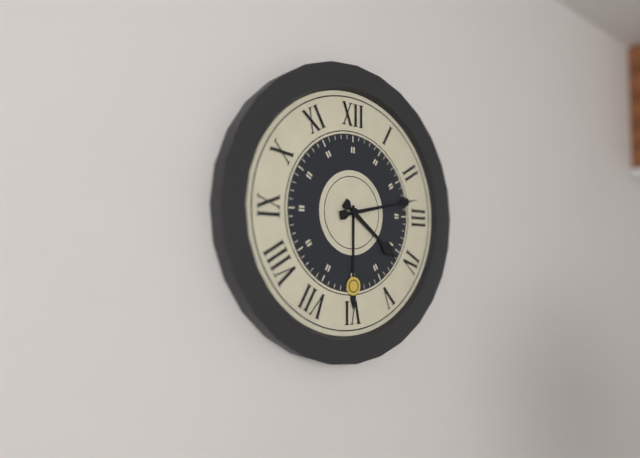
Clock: 4:13
